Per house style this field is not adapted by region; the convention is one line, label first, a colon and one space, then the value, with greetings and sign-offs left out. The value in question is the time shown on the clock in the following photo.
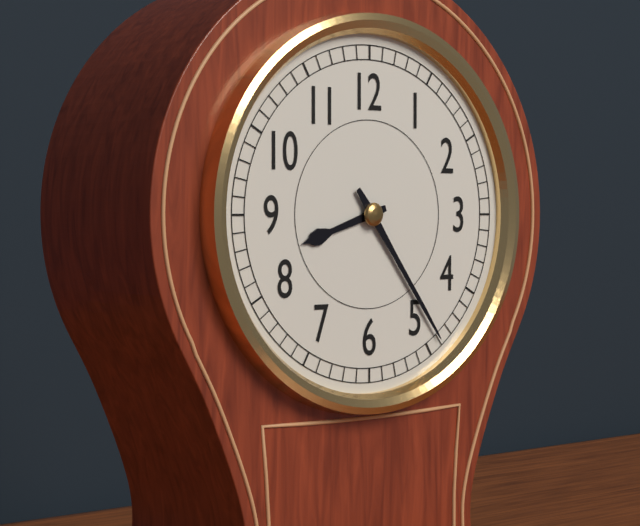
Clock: 8:24
